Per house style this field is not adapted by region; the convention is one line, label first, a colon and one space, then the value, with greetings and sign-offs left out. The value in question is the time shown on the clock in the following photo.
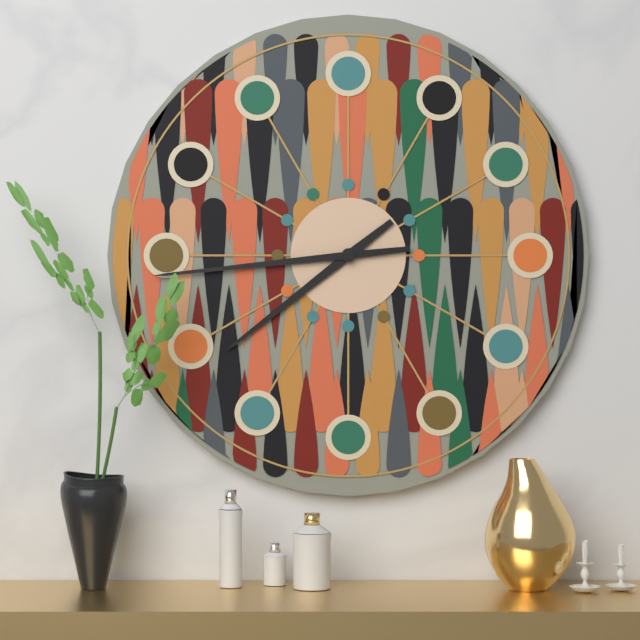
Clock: 7:44
